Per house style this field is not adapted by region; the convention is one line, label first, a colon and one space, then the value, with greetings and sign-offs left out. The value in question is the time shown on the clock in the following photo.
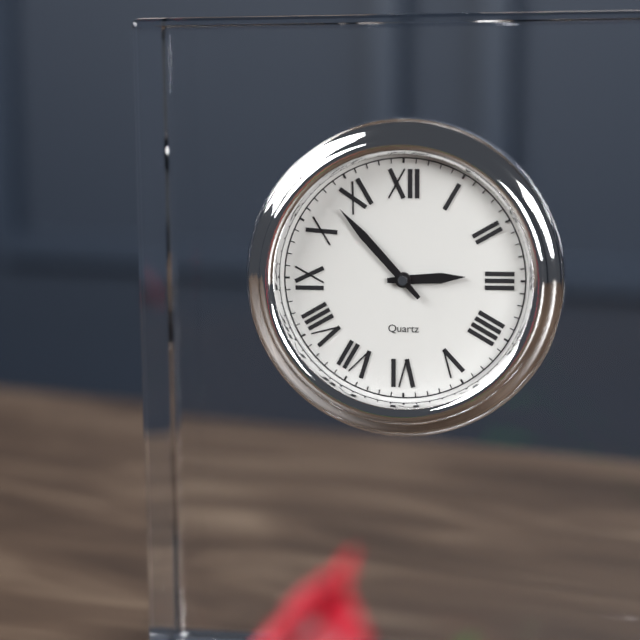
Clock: 2:53
